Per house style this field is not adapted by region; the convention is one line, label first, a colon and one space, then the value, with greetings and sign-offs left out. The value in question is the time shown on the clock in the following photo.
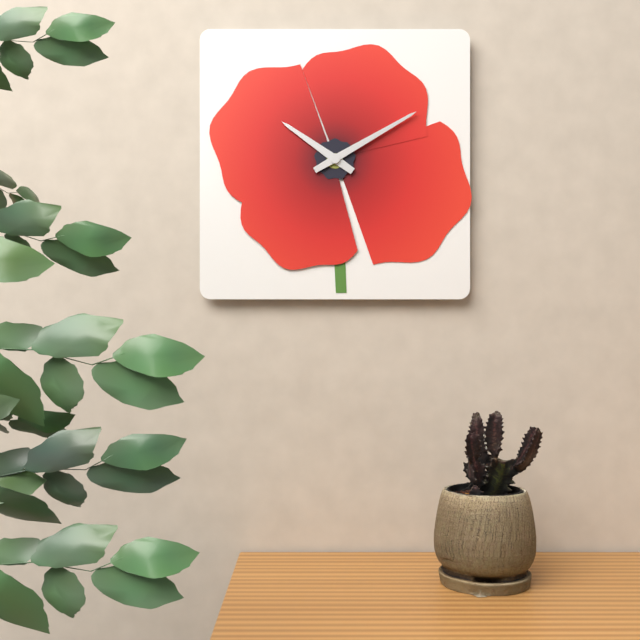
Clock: 10:10
